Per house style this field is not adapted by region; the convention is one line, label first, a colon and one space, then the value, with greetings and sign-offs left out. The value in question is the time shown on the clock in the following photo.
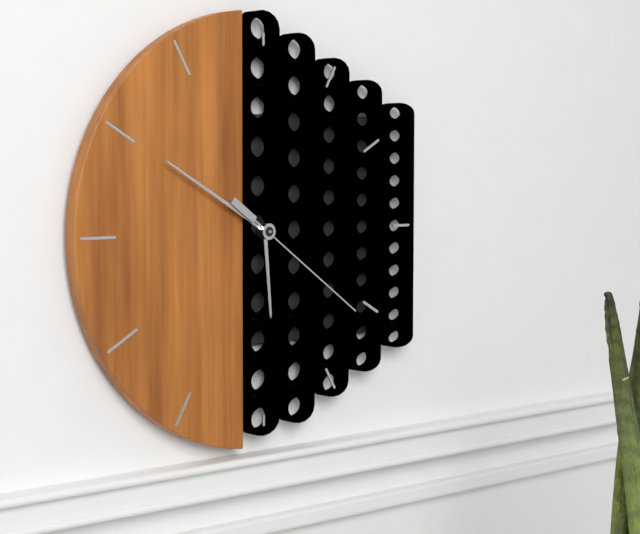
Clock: 5:50:21
